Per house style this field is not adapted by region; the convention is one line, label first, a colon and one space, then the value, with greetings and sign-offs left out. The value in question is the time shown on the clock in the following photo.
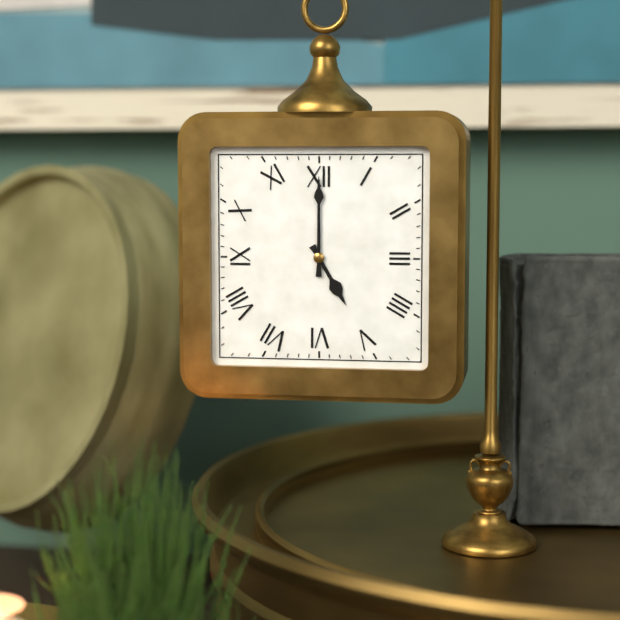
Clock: 5:00
